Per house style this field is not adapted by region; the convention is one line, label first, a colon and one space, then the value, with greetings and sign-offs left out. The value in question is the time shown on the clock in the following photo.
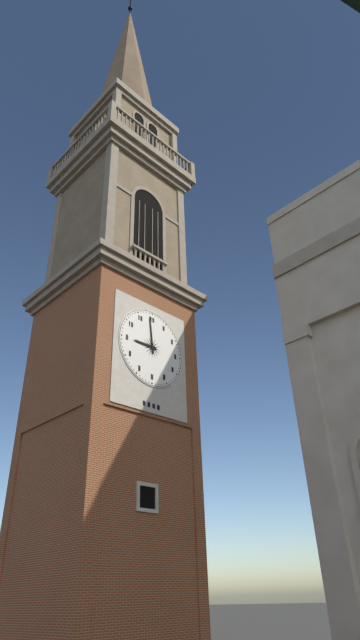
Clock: 8:59
